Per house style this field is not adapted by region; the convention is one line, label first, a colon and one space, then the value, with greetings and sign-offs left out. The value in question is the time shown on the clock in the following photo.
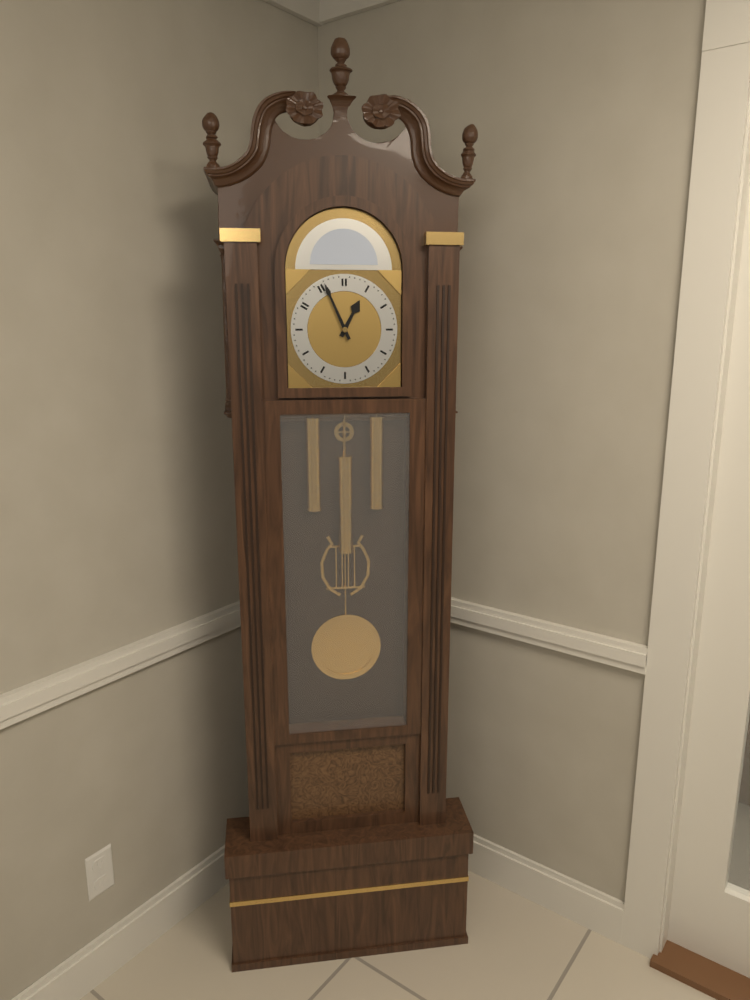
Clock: 12:56
